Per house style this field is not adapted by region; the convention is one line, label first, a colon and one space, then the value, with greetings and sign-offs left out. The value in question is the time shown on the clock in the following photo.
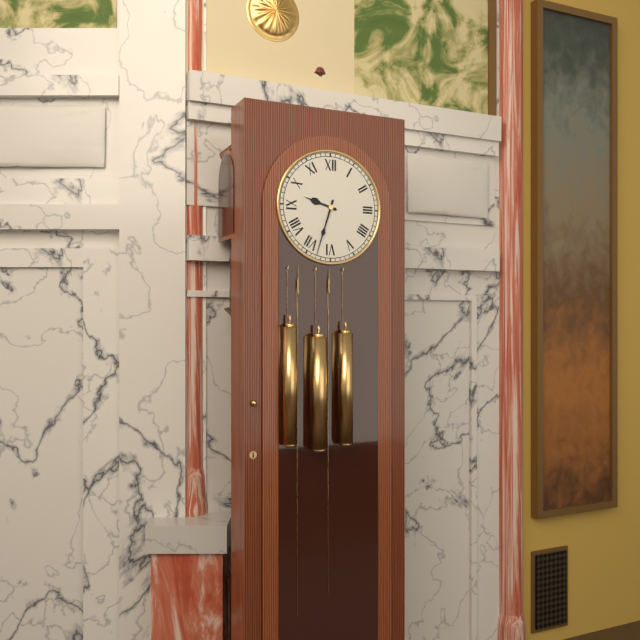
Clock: 9:33
